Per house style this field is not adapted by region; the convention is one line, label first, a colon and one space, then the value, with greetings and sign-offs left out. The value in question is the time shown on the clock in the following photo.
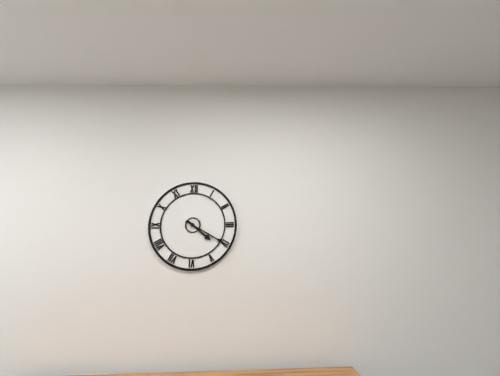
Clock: 4:20
